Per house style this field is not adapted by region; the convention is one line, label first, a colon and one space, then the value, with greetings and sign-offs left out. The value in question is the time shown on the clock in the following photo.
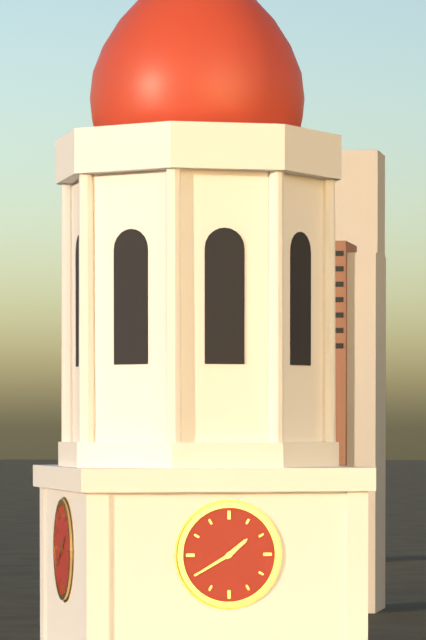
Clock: 1:40
